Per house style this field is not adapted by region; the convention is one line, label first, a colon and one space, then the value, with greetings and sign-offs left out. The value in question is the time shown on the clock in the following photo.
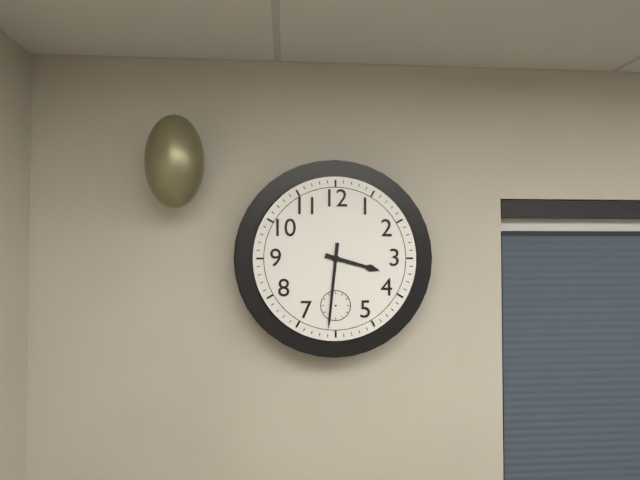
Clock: 3:31
